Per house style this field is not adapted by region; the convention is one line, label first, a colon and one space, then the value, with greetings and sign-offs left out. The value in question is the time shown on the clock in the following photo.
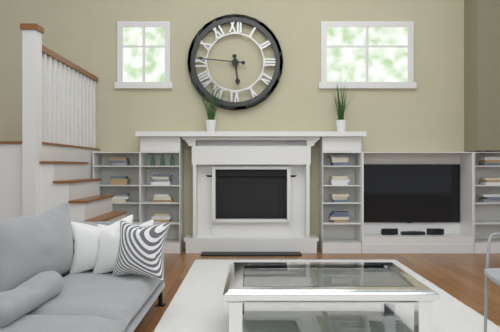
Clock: 5:46
